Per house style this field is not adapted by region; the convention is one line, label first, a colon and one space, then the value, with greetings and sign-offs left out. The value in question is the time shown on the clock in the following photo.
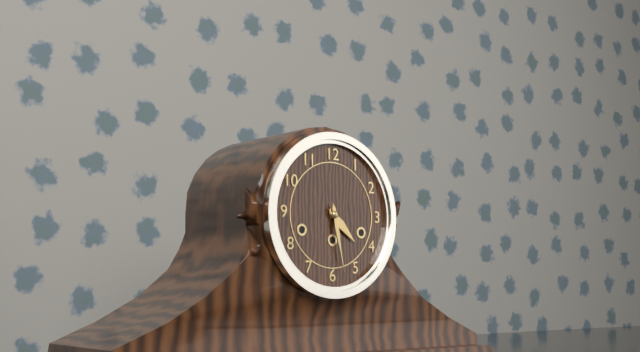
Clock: 4:28
